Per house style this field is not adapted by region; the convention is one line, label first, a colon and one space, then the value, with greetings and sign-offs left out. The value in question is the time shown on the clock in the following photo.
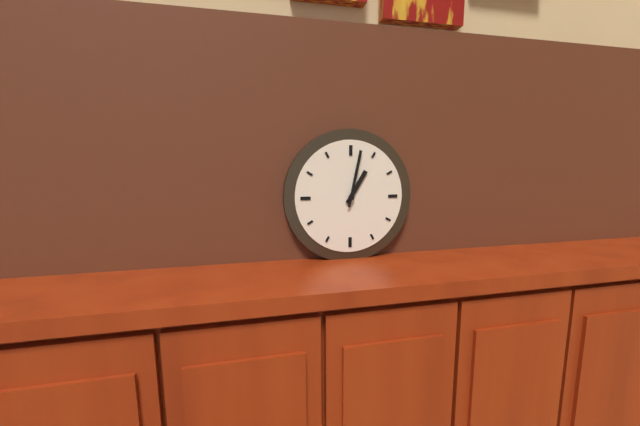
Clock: 1:02
